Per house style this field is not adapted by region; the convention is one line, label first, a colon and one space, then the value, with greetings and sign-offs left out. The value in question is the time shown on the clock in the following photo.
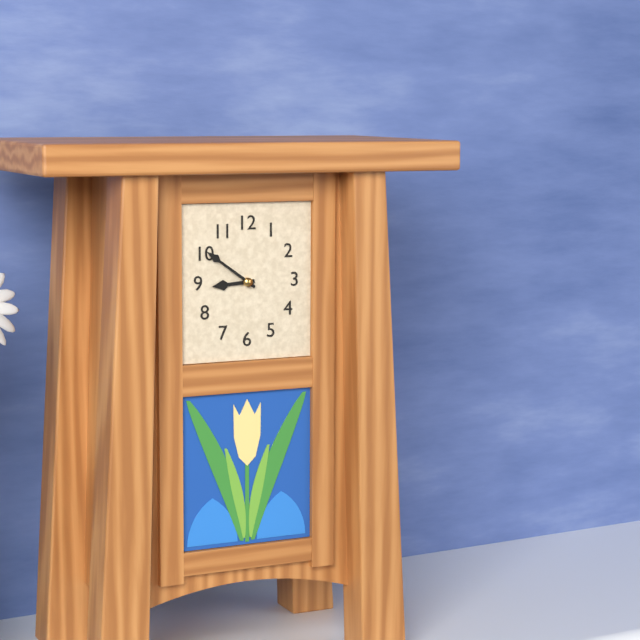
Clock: 8:51
